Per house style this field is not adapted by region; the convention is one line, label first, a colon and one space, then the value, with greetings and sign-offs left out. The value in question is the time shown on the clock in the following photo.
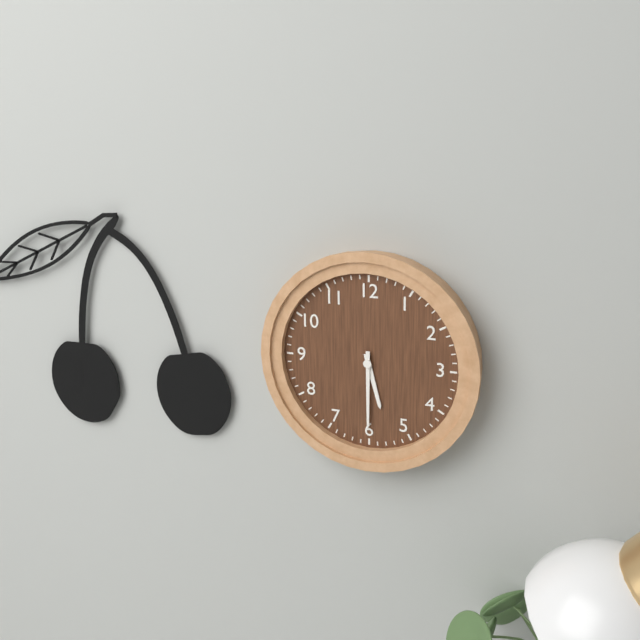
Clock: 5:30
